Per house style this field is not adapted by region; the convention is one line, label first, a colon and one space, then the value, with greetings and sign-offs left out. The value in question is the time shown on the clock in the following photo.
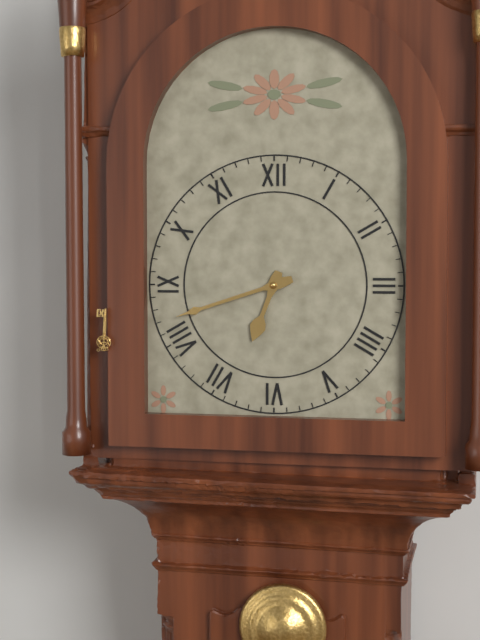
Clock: 6:42
